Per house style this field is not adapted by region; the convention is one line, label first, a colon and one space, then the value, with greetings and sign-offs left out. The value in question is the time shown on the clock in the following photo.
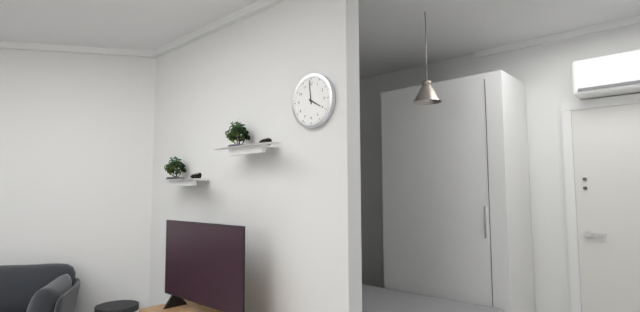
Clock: 3:59
